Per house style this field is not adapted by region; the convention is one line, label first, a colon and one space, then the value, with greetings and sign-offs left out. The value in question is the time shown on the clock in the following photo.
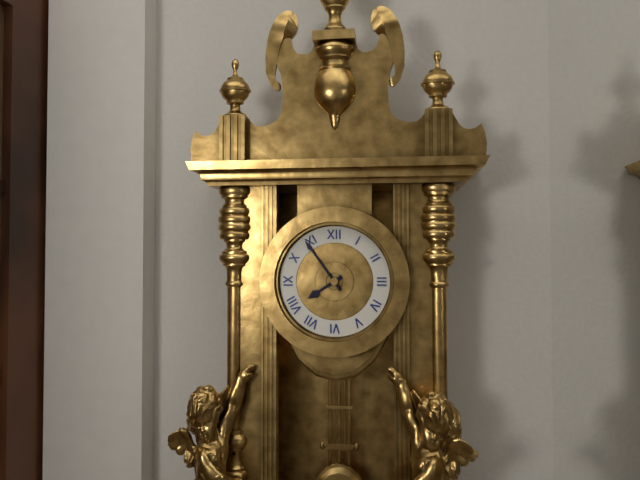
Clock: 7:54
